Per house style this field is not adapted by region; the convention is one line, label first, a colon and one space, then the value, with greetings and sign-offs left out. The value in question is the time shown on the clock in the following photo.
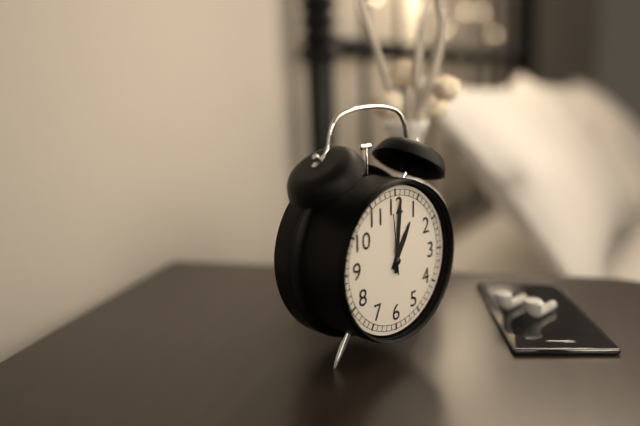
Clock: 1:01:59
